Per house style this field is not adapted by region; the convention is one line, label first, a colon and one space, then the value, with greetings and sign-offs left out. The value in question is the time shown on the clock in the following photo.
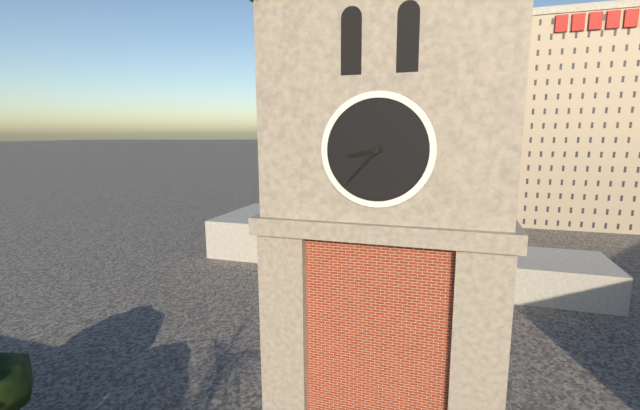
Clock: 8:37
